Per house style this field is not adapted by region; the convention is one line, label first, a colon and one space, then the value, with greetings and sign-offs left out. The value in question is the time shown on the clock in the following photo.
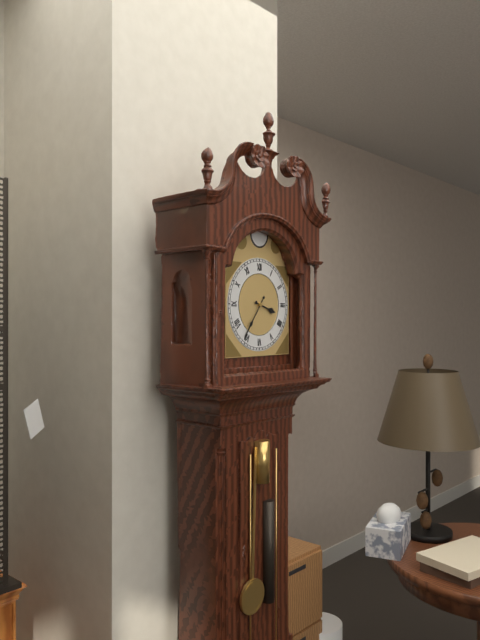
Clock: 3:36
